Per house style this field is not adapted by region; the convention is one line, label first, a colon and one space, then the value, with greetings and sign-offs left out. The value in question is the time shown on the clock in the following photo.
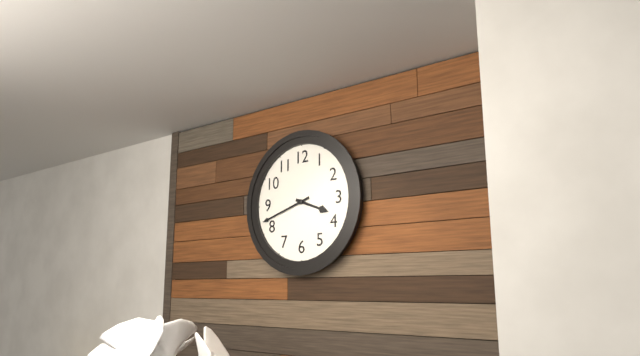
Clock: 3:42
